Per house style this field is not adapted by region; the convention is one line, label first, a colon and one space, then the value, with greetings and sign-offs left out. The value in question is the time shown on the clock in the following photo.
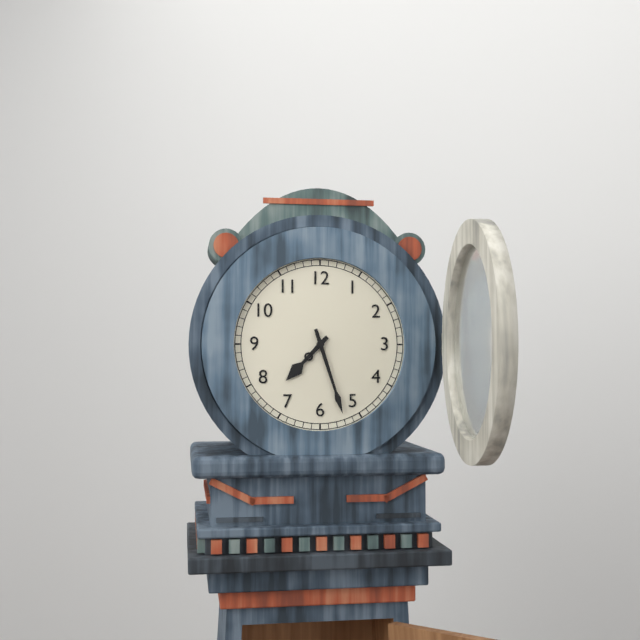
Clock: 7:27
